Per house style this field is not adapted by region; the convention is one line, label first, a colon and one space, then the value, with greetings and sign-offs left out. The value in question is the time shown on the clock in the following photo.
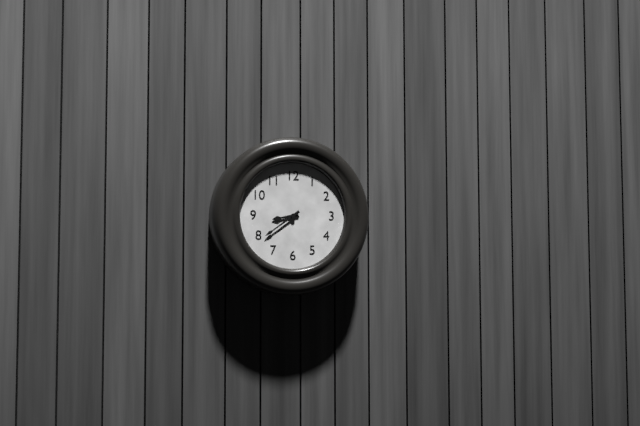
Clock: 8:39
